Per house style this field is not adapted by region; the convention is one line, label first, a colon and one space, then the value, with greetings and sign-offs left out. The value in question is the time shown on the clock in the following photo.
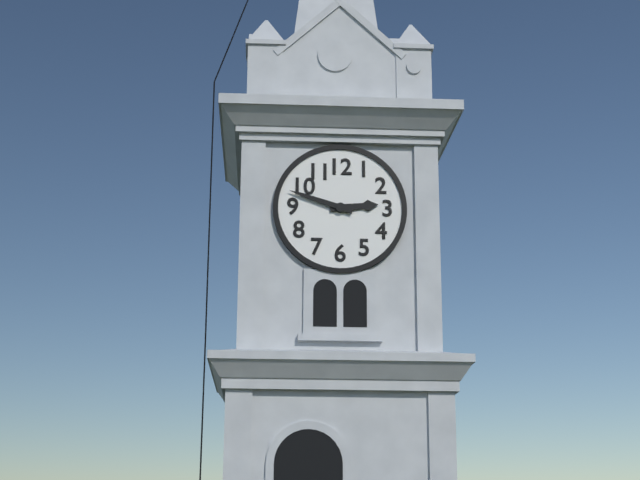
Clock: 2:48
